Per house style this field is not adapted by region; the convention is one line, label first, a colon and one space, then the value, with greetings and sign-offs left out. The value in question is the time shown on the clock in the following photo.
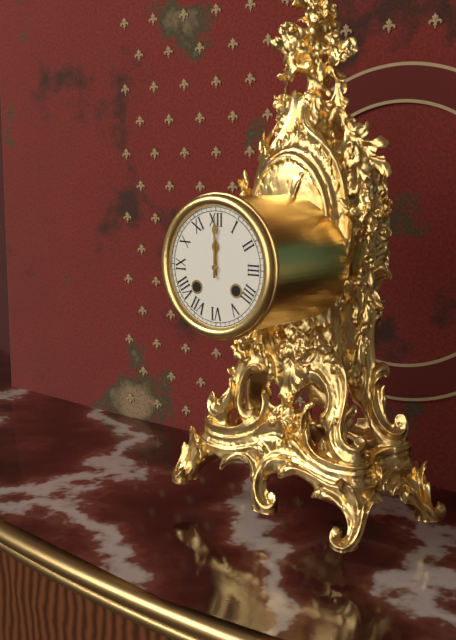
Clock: 12:00
